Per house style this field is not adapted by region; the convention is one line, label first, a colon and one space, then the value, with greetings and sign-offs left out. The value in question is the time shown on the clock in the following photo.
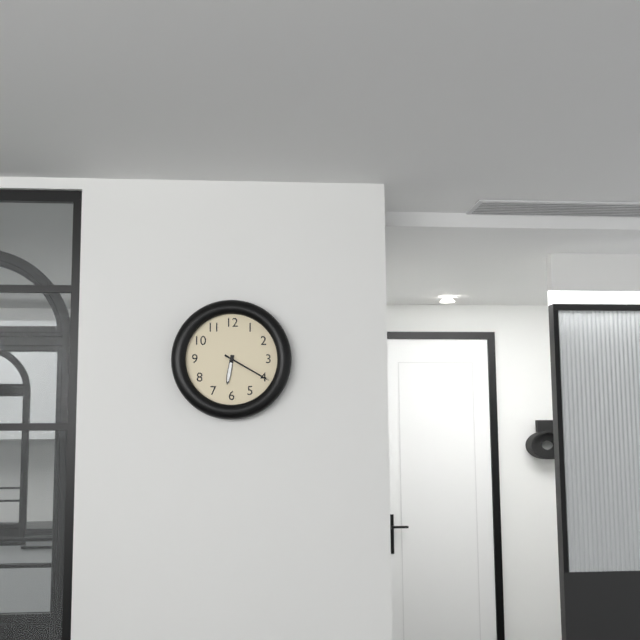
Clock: 6:20
